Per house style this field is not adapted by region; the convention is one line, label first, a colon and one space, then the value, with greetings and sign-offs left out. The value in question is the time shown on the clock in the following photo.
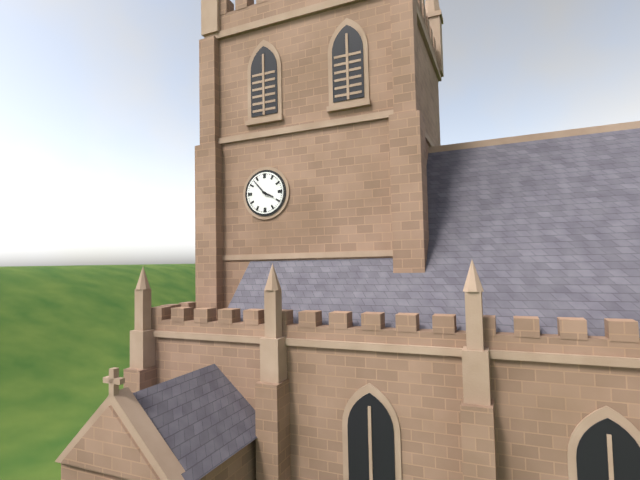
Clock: 3:53
